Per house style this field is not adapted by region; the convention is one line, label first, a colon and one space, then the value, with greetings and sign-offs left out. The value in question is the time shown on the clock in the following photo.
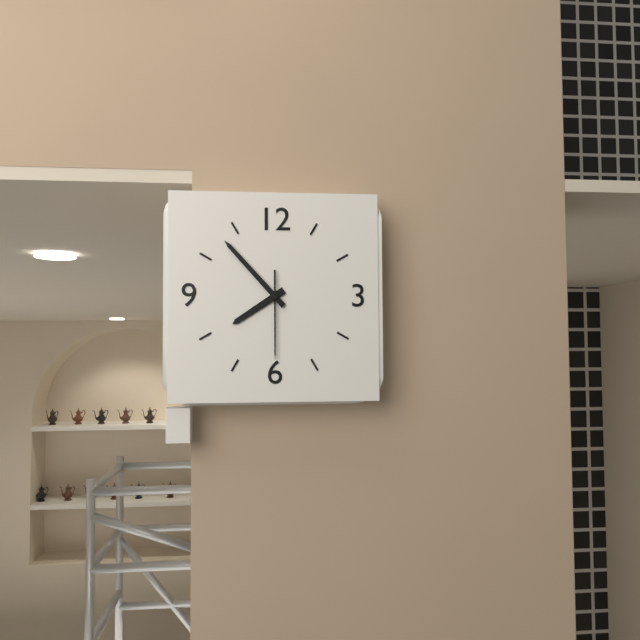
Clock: 7:53:30
